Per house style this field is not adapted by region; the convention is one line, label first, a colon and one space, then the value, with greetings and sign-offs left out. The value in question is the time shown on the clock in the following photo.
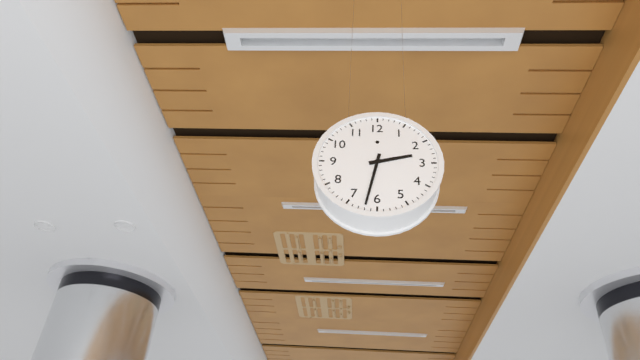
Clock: 2:32
